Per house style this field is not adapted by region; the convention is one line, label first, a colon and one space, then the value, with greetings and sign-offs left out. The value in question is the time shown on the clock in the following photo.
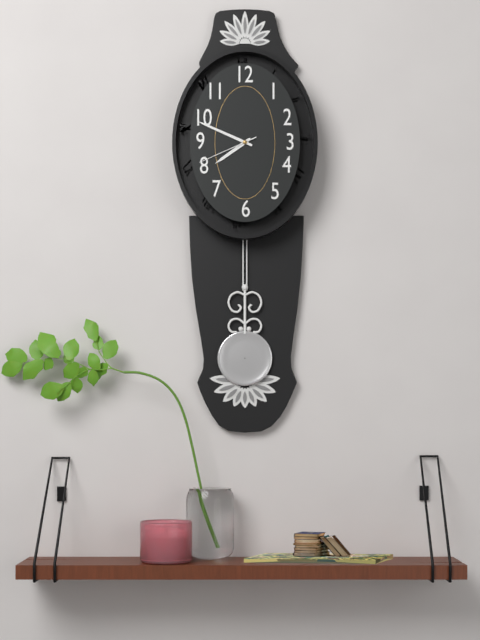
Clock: 7:49:41
